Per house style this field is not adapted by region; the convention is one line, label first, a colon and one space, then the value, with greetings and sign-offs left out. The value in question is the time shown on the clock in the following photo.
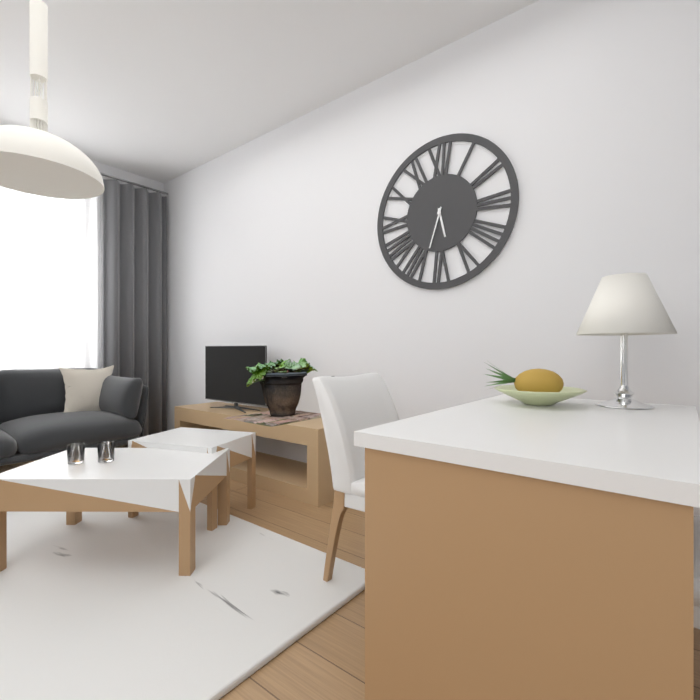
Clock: 5:33
